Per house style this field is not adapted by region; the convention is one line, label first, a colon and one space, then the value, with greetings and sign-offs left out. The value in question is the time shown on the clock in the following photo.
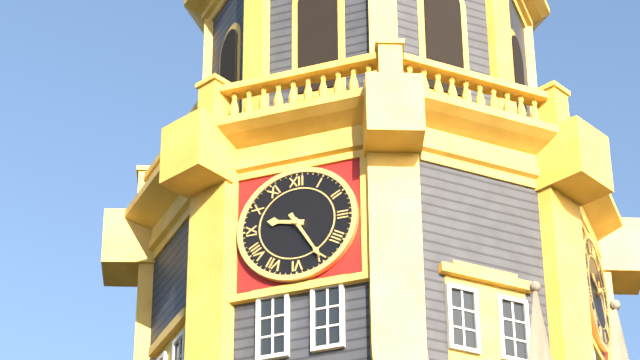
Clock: 9:25
